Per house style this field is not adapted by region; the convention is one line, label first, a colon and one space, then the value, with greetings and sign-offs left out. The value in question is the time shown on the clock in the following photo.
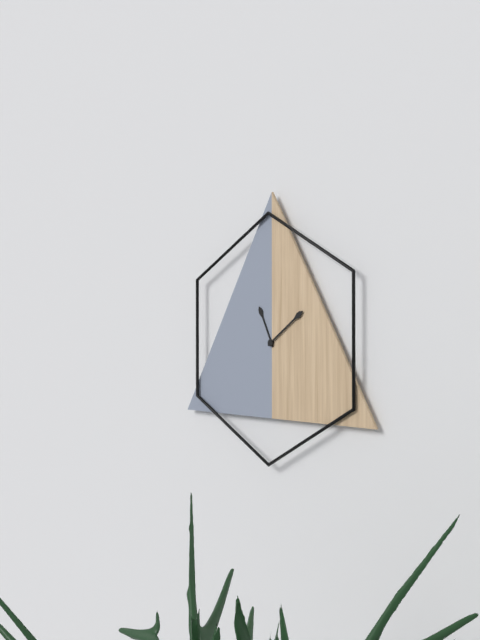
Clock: 11:09
